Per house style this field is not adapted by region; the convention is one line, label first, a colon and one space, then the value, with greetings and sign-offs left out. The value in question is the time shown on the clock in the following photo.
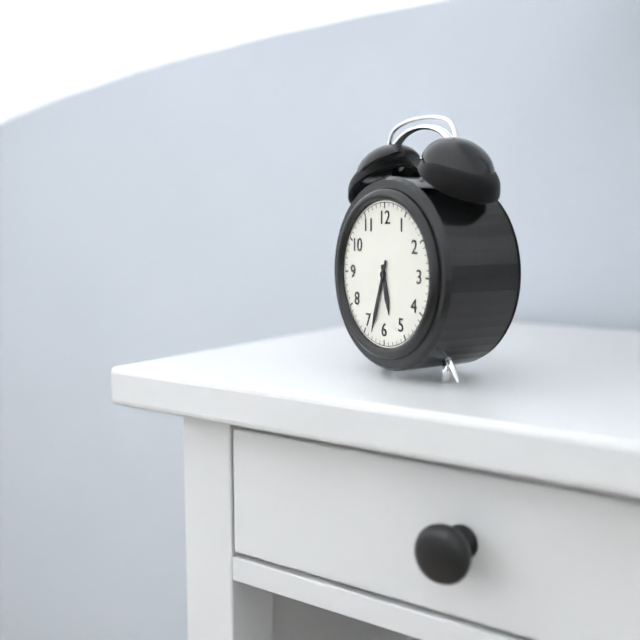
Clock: 5:33
